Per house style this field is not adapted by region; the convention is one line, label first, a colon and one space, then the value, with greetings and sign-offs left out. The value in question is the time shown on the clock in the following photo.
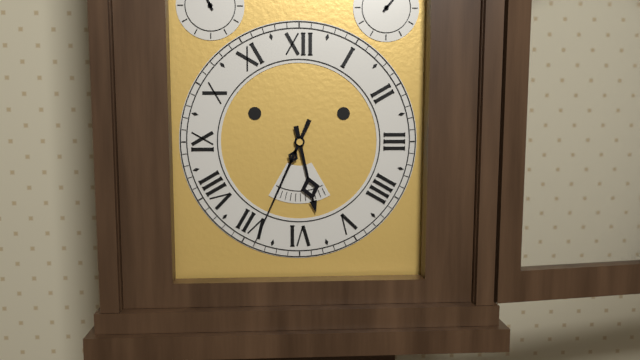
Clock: 5:34
